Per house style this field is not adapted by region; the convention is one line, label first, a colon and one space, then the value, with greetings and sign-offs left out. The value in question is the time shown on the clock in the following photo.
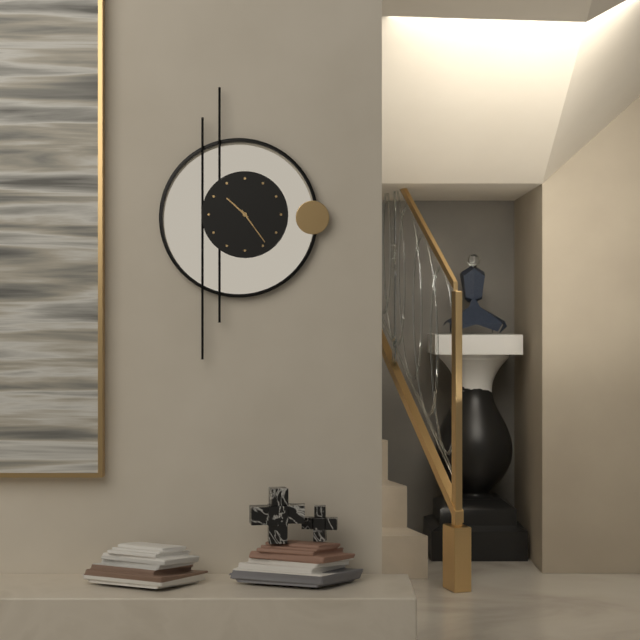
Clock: 10:24
